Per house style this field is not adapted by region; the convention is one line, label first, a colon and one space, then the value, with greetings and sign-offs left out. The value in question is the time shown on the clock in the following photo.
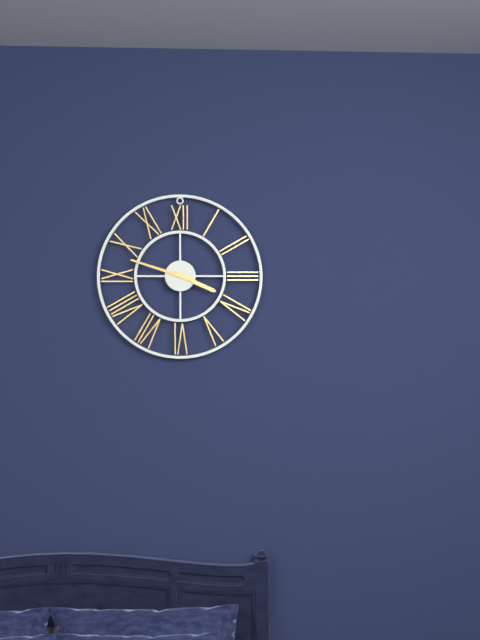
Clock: 3:48
